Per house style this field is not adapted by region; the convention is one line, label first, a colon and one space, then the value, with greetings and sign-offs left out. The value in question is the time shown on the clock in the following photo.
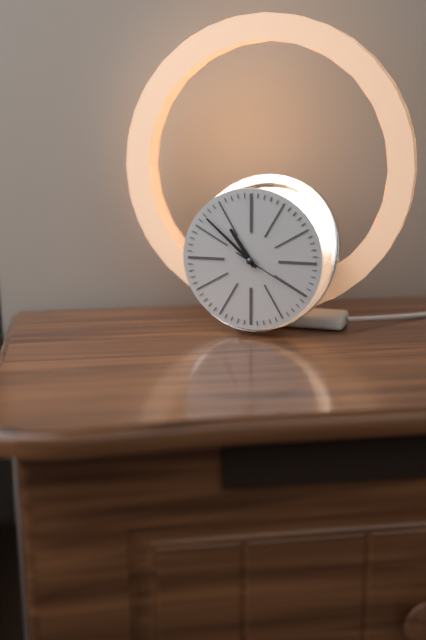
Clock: 10:52:20
